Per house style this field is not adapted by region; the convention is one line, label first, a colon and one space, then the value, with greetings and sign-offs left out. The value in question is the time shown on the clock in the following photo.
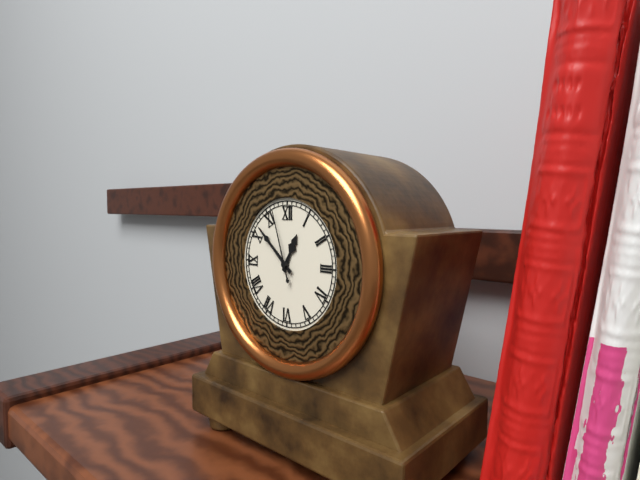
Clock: 12:52:57
